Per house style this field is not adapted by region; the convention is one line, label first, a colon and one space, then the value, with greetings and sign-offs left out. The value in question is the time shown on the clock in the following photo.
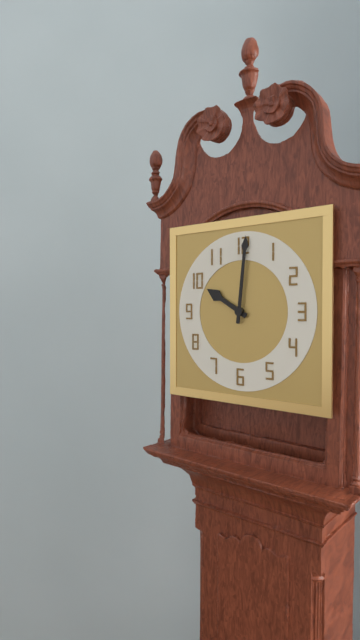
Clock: 10:01
